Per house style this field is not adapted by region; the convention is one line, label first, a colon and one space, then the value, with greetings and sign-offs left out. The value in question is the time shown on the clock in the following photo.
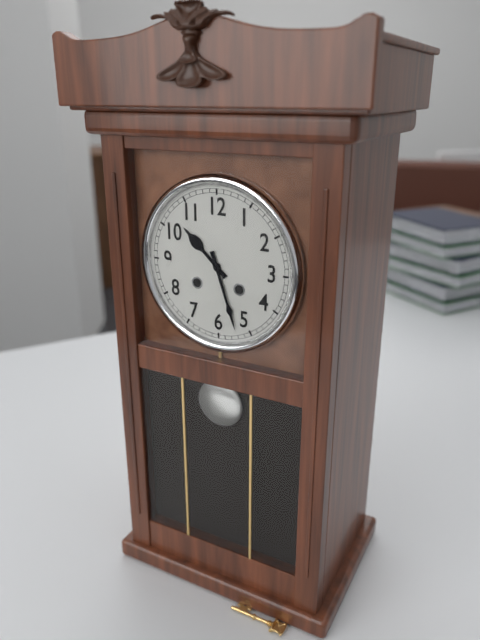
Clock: 10:27
